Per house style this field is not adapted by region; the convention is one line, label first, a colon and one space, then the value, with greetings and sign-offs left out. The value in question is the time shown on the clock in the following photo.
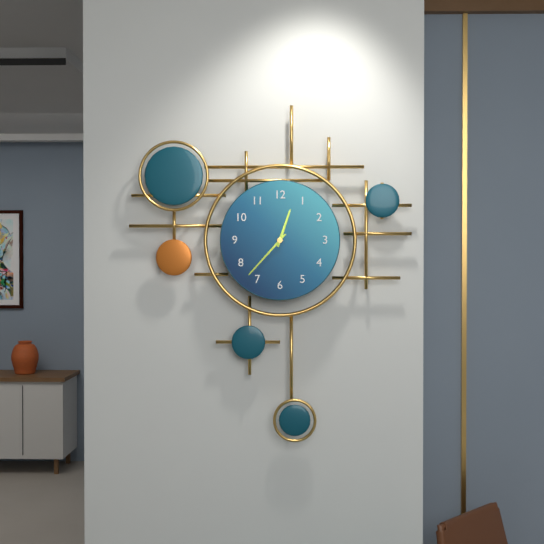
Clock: 12:37
